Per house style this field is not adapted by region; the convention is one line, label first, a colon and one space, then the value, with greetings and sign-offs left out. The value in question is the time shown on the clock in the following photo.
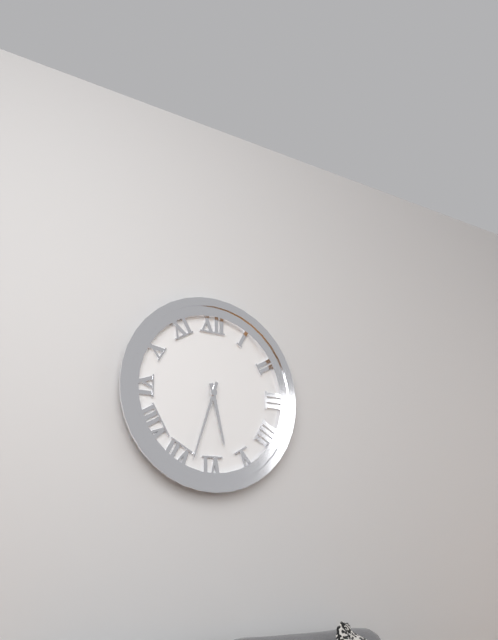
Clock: 5:33
